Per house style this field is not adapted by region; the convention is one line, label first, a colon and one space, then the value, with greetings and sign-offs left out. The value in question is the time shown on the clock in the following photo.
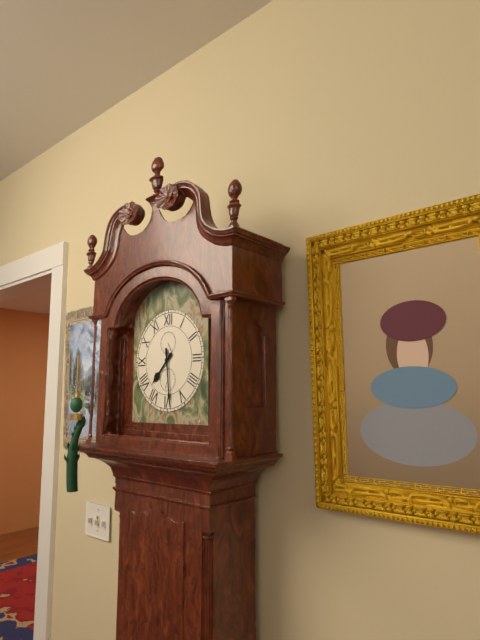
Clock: 7:29
